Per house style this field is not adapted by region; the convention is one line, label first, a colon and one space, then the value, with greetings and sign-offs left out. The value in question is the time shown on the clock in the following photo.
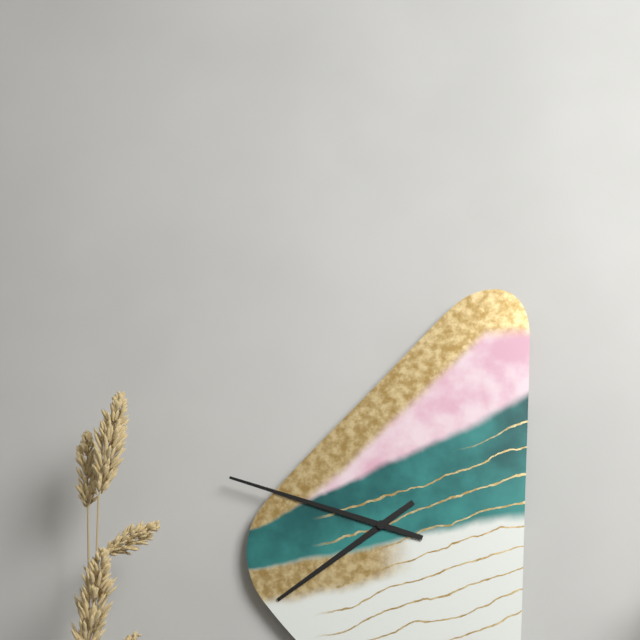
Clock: 7:48
